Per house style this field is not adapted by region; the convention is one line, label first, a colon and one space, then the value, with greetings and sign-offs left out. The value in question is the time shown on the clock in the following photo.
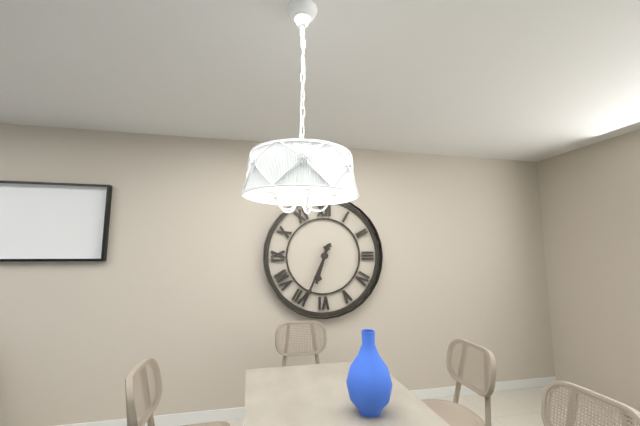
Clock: 6:34
